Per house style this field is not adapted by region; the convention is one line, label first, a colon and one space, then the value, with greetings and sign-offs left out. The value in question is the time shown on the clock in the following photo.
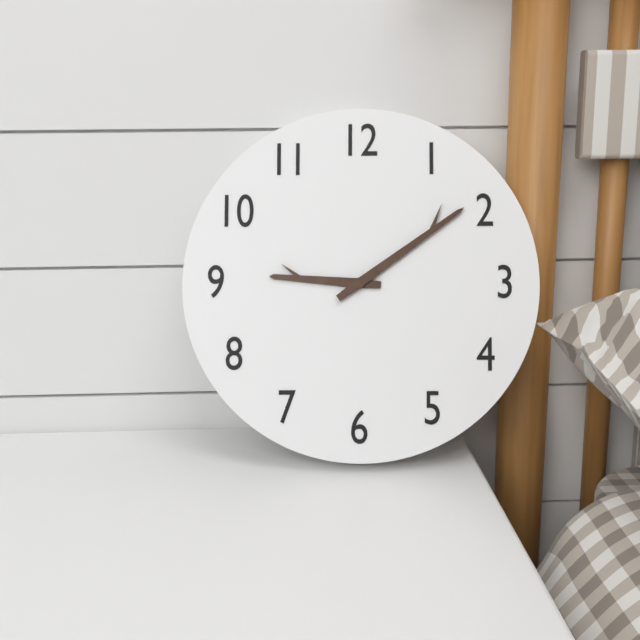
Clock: 9:09
